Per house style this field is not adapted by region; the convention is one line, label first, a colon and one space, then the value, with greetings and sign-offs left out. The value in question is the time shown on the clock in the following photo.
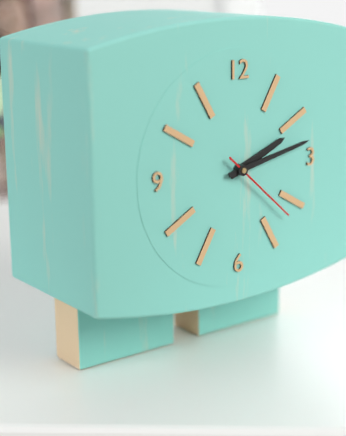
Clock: 2:13:22
